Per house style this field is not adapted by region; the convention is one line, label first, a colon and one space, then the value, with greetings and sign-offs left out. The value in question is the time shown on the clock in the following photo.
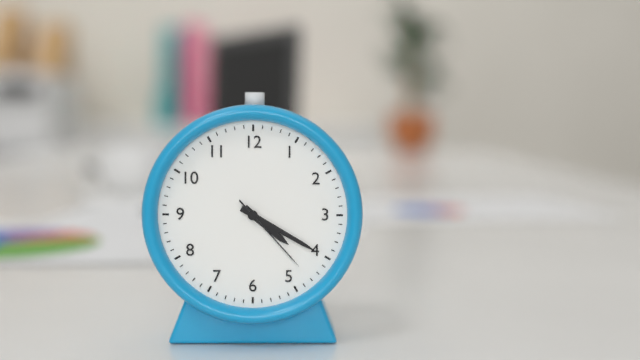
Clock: 4:20:23
